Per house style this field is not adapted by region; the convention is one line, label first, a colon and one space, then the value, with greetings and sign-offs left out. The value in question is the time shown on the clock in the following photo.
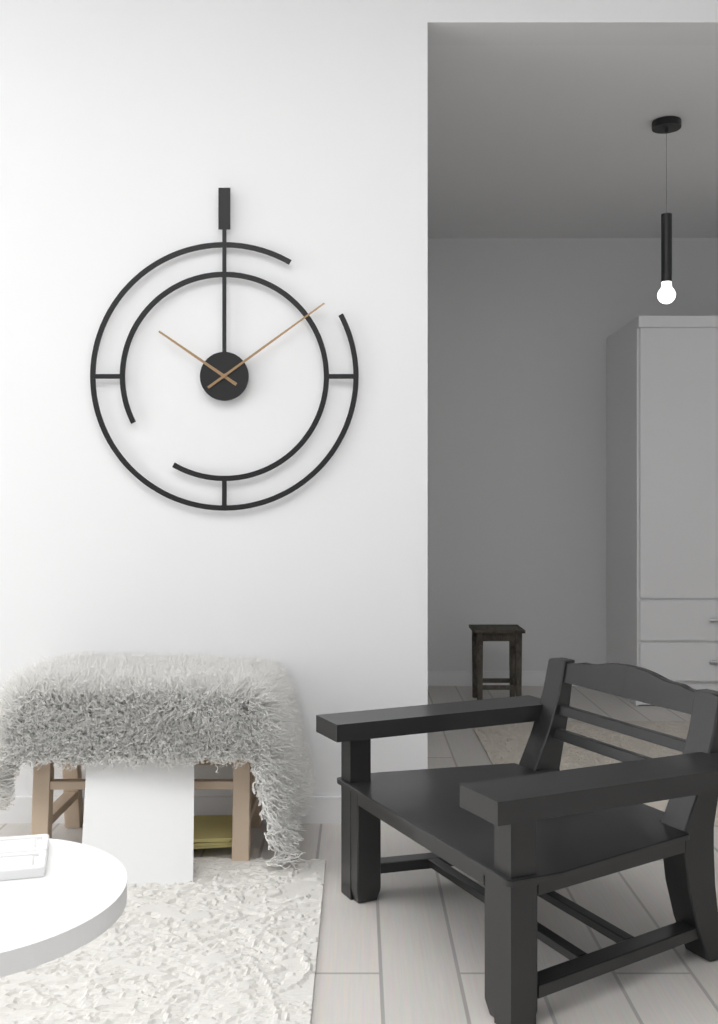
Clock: 10:09
